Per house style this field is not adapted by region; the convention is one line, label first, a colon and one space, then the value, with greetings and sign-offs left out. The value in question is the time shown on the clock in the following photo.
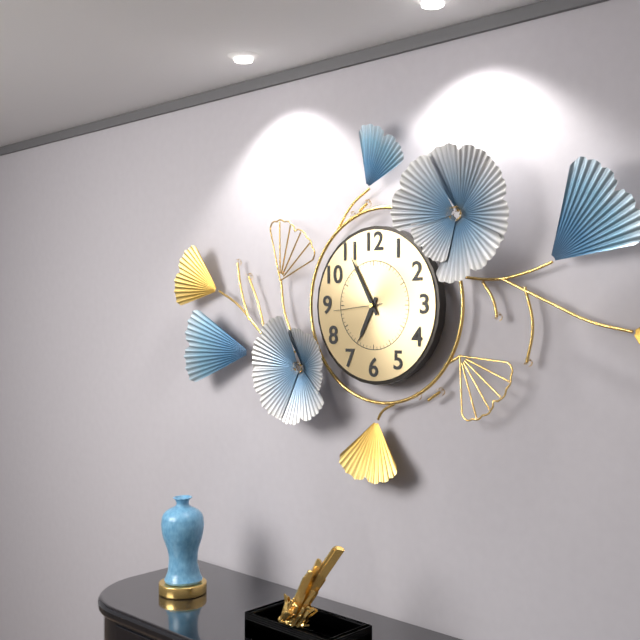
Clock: 6:55
